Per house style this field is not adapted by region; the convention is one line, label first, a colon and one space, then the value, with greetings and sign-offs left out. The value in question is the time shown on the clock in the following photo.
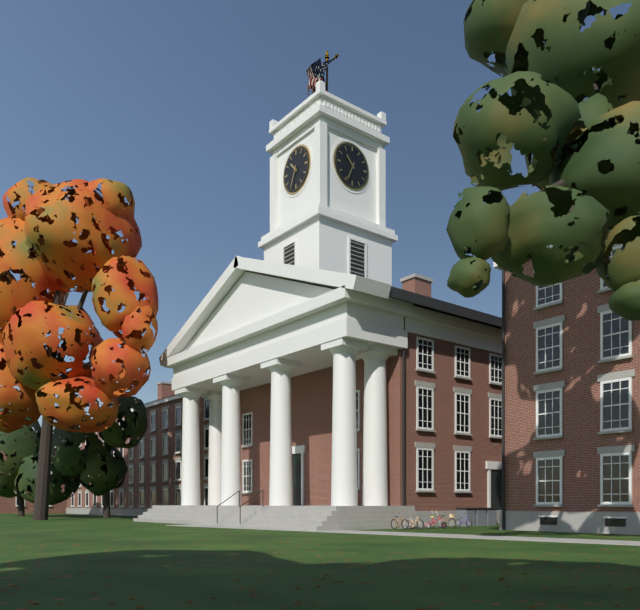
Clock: 10:34
